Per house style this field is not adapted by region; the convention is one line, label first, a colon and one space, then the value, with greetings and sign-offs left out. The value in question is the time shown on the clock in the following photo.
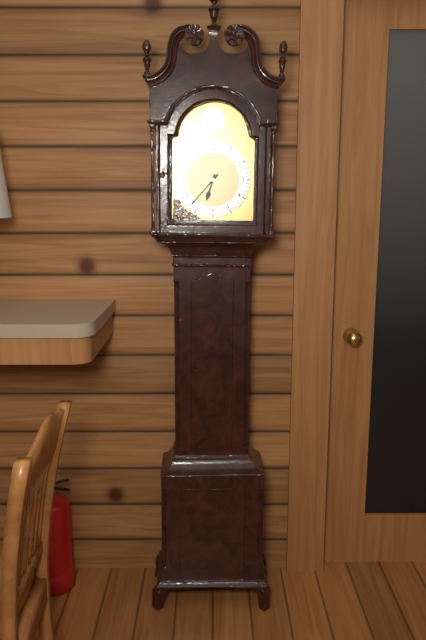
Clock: 6:37
